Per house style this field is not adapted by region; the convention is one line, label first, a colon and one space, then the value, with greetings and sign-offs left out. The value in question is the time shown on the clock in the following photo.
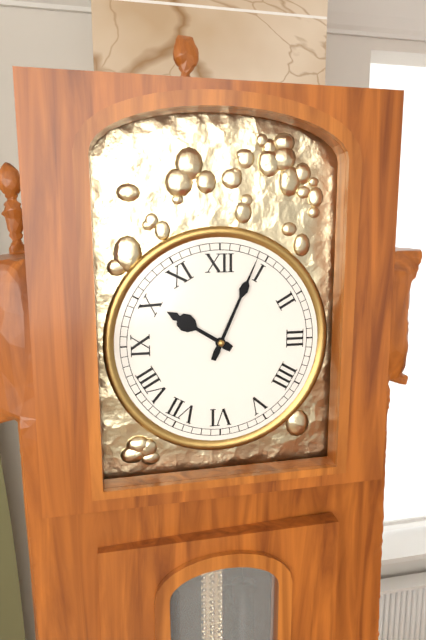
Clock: 10:04
